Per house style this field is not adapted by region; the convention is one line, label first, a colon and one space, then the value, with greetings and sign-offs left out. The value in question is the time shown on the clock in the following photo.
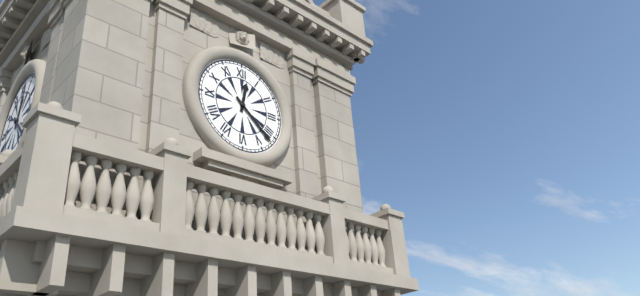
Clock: 12:22
